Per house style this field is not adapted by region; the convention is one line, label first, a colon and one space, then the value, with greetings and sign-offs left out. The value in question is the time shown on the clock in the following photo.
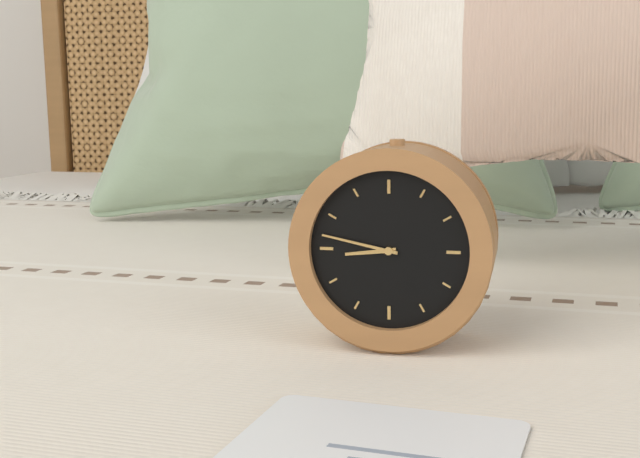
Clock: 8:47
